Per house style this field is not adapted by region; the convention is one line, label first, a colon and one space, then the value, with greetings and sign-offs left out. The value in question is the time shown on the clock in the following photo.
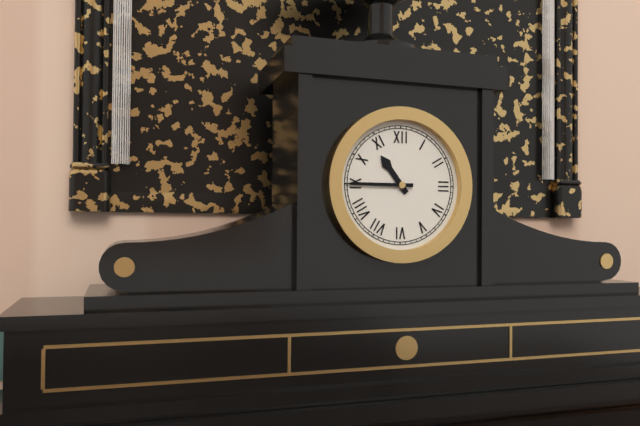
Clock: 10:45
